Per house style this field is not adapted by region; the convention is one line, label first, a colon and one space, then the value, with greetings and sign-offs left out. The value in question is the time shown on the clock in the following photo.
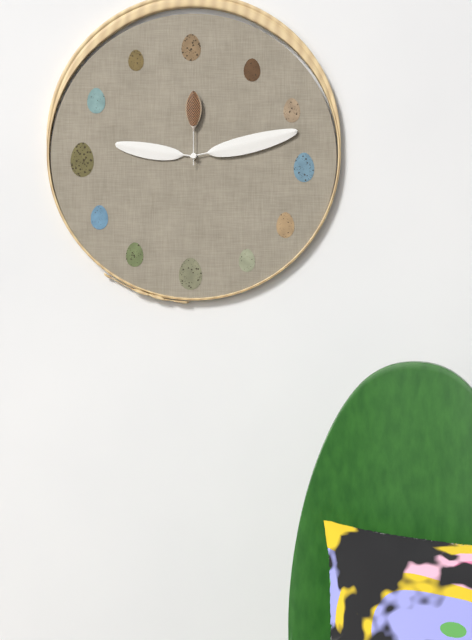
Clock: 9:13:00
